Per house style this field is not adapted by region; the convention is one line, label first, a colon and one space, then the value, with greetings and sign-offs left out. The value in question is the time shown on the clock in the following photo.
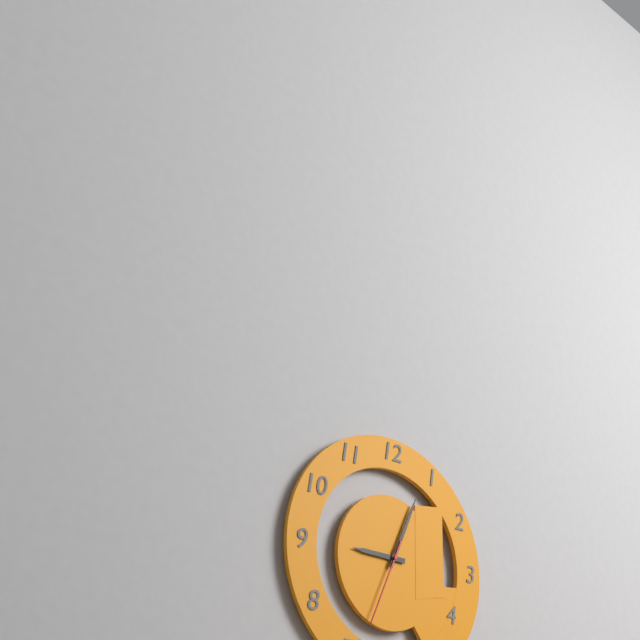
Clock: 9:04:34
